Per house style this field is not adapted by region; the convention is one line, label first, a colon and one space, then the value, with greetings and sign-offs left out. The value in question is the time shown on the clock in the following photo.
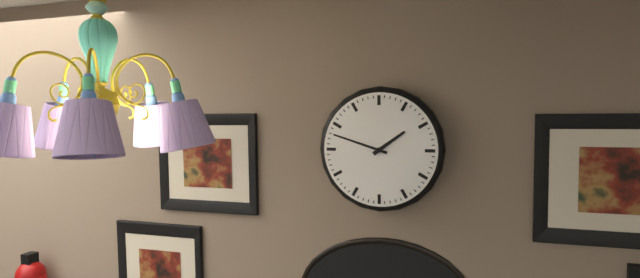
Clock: 1:48
